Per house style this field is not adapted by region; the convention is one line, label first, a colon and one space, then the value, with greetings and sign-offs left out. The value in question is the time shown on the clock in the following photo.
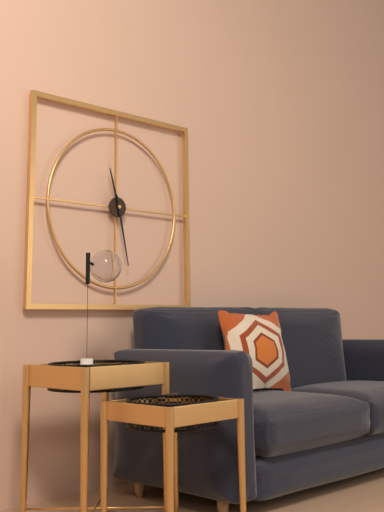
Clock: 11:28
